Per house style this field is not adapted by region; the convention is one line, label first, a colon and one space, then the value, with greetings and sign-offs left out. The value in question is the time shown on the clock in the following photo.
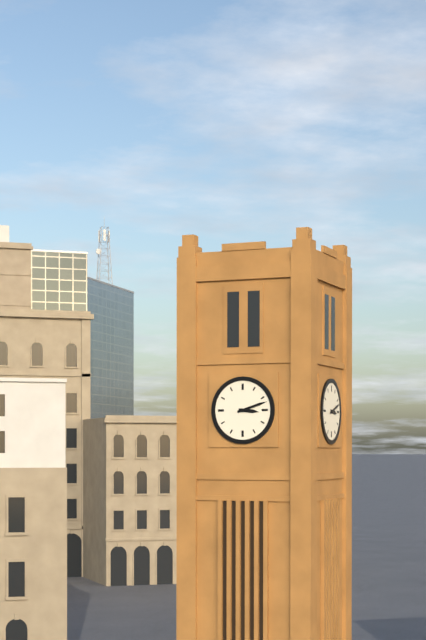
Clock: 3:12
